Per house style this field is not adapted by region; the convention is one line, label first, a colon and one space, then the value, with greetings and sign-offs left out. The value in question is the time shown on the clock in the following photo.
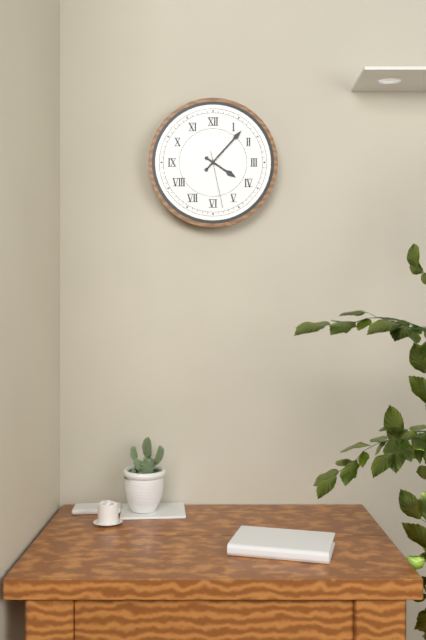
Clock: 4:07:28
